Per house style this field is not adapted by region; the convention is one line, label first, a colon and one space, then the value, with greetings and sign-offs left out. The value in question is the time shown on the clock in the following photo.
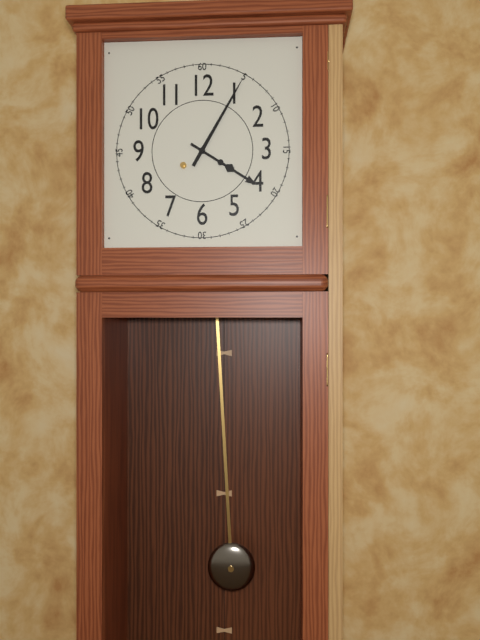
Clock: 4:05
